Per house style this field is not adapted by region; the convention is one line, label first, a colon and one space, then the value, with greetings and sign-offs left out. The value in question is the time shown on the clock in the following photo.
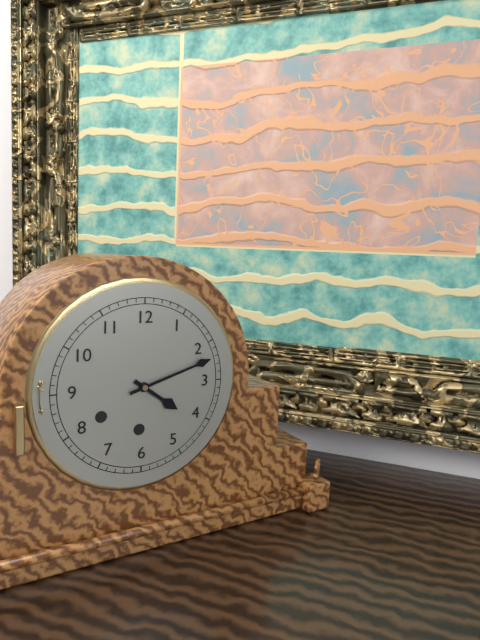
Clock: 4:12
